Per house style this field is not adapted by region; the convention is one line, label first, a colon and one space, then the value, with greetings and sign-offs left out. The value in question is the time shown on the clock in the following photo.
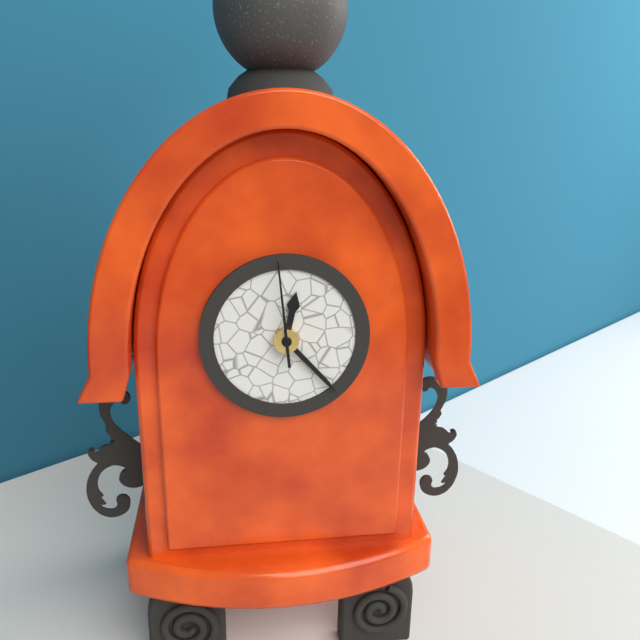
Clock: 12:23:59
